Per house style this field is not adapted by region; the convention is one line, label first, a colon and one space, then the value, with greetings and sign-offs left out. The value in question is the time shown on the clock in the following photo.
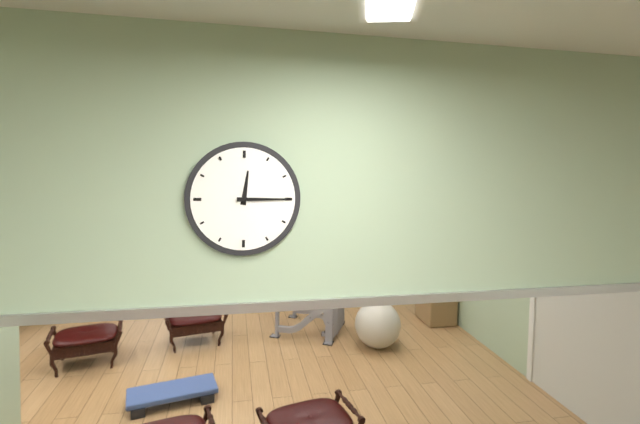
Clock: 12:15
